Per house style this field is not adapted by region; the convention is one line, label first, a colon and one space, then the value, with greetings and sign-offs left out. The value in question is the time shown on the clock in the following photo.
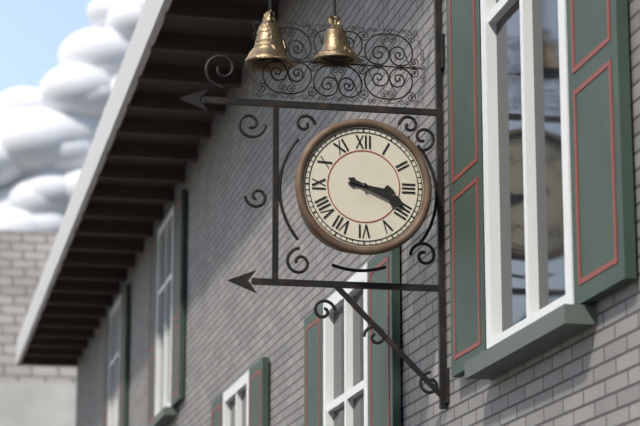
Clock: 3:19
